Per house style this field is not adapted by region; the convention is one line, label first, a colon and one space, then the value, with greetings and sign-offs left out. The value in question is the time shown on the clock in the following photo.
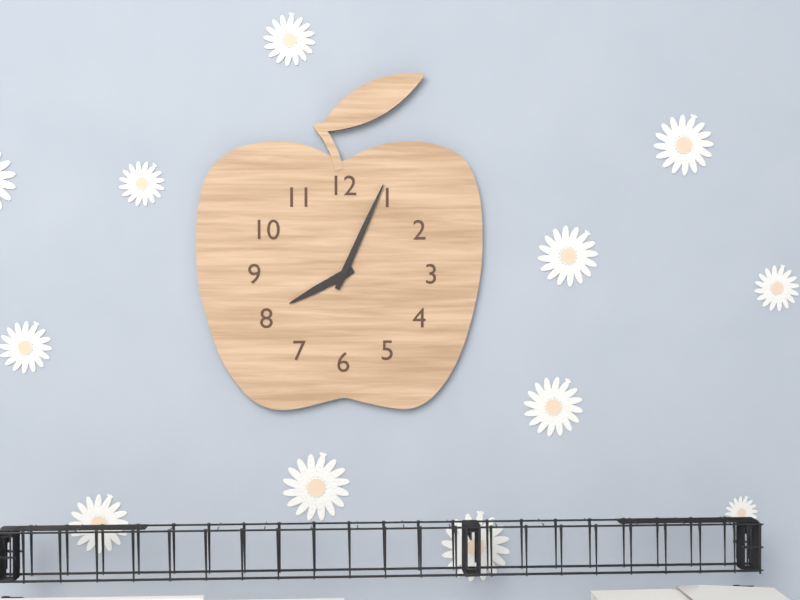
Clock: 8:04
